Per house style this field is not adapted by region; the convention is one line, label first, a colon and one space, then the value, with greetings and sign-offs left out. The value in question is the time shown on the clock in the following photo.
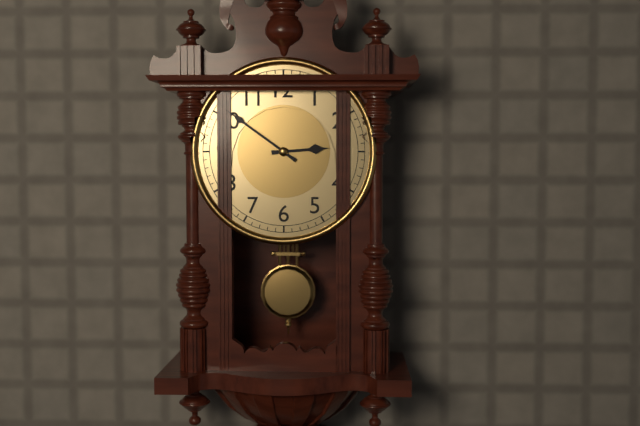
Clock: 2:51
